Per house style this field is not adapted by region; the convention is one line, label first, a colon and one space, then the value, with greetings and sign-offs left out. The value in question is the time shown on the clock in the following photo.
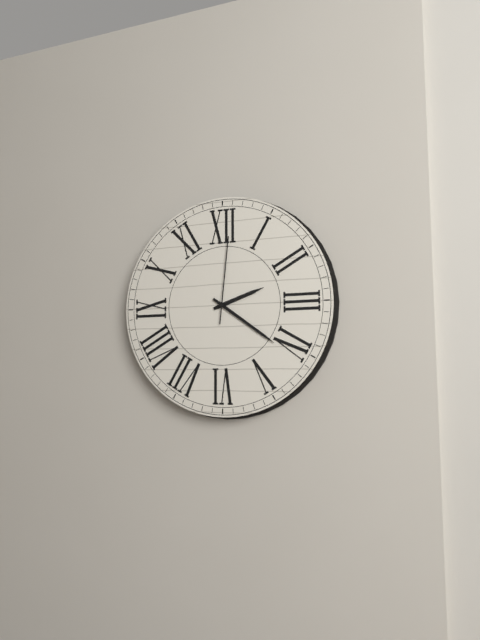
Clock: 2:21:01
